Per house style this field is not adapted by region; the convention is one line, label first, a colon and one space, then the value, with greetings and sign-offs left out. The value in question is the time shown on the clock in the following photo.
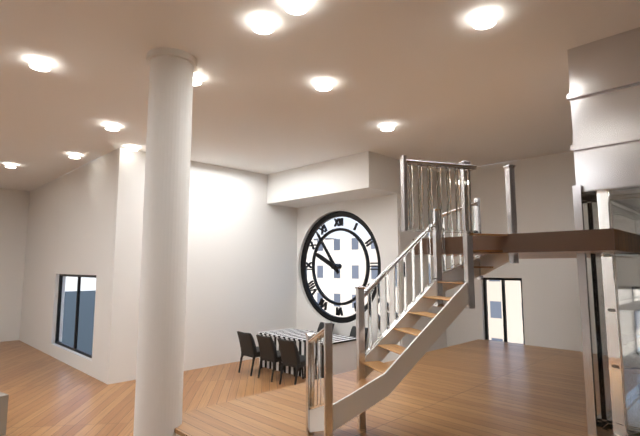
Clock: 9:54
